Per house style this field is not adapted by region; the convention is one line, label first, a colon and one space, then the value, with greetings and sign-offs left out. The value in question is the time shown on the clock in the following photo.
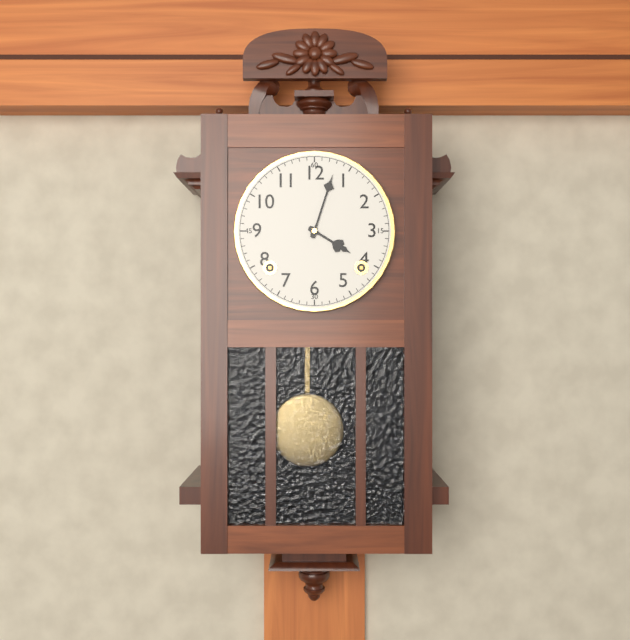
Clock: 4:03
